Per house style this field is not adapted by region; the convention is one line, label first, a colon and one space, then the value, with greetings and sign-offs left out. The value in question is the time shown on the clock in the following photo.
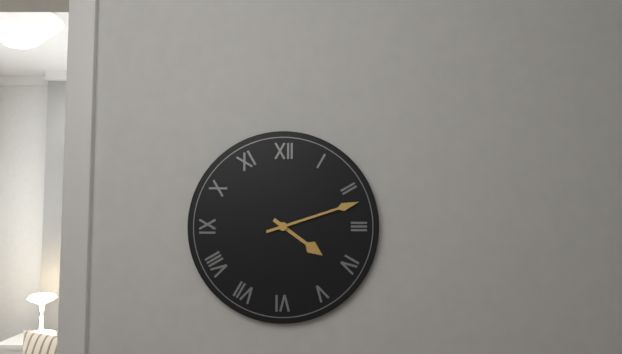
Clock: 4:12
